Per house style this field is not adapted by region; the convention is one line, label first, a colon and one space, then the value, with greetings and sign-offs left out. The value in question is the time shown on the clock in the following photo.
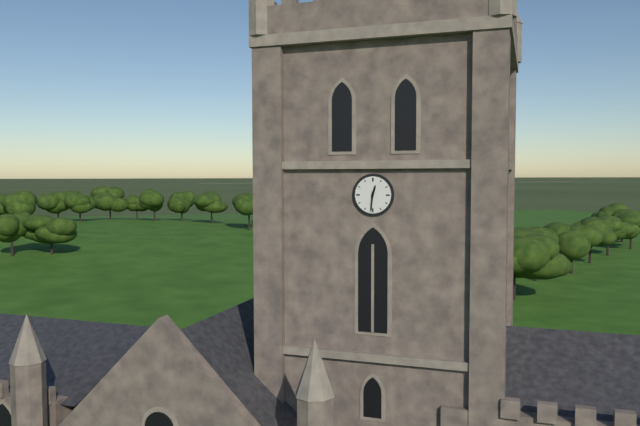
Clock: 12:31
